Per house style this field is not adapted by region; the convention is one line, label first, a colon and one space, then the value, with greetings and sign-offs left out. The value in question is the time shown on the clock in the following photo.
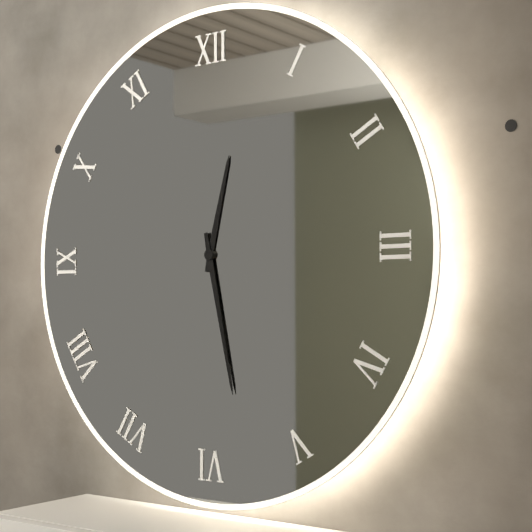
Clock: 12:28
